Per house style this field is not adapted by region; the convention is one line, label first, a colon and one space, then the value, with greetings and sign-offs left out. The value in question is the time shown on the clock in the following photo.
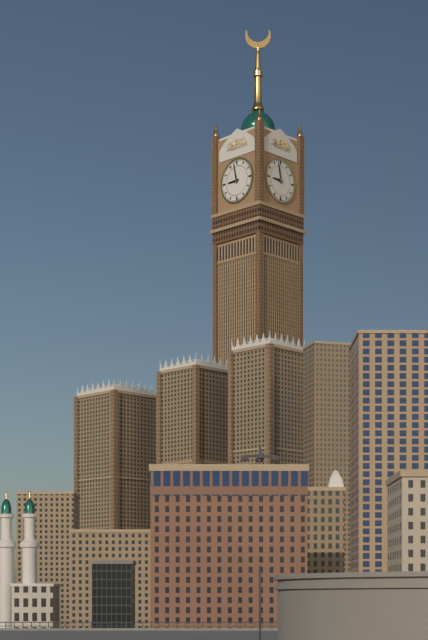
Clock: 8:58
